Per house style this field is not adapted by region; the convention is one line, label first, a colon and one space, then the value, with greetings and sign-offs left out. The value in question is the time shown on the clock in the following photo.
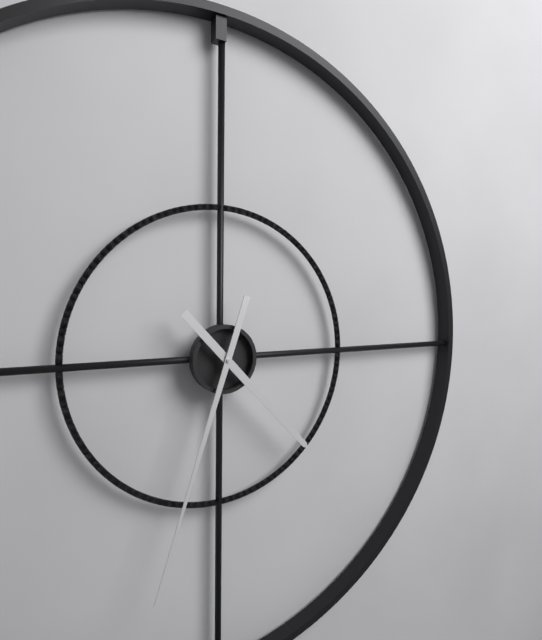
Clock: 4:33
